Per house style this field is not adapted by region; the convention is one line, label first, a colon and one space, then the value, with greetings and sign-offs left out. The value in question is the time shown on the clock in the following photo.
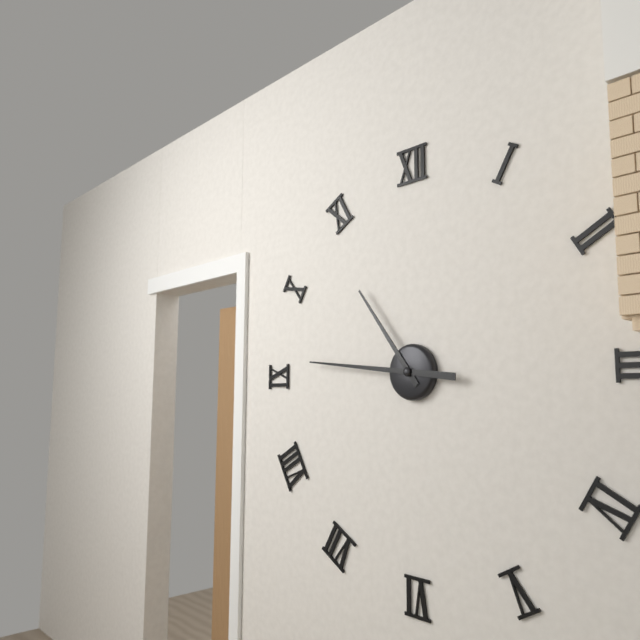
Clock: 10:46
